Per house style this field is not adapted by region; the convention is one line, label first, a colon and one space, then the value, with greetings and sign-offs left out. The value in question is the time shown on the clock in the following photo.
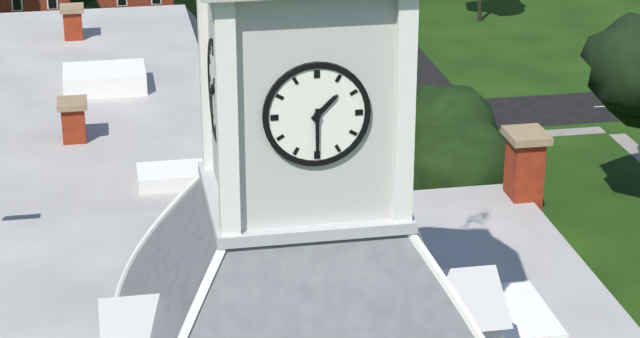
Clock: 1:30
